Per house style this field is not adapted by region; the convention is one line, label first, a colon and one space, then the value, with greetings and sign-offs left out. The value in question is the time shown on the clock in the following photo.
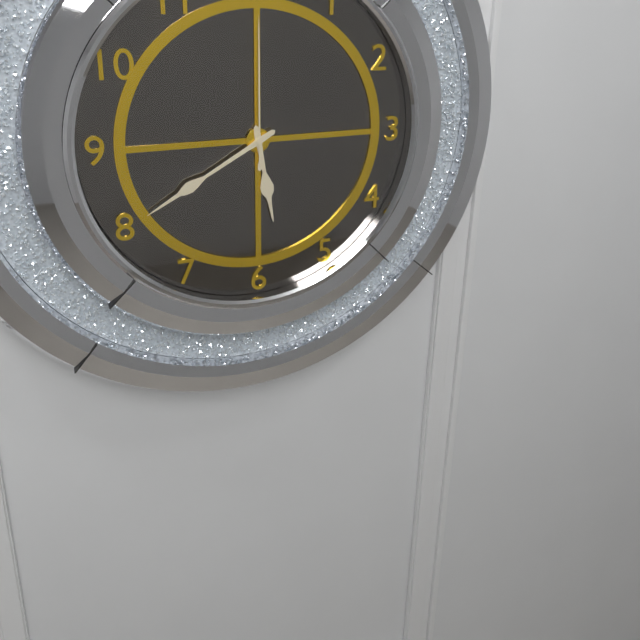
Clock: 5:40:00
